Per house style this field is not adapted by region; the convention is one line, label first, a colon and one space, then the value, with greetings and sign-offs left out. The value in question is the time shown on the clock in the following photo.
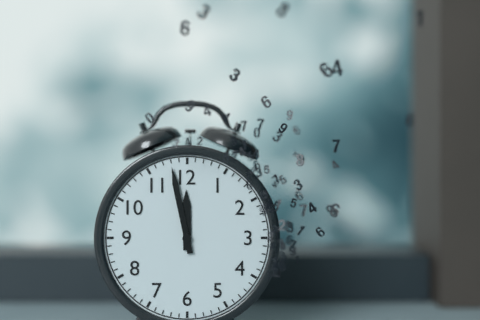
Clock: 11:58
